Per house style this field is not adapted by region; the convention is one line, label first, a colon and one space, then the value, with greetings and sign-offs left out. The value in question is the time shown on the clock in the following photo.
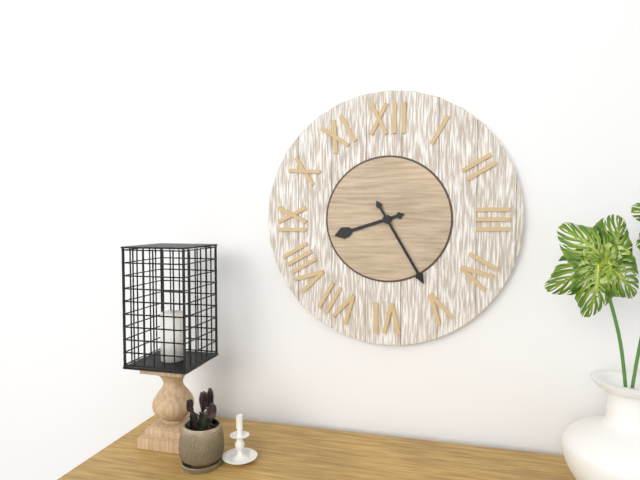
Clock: 8:25
